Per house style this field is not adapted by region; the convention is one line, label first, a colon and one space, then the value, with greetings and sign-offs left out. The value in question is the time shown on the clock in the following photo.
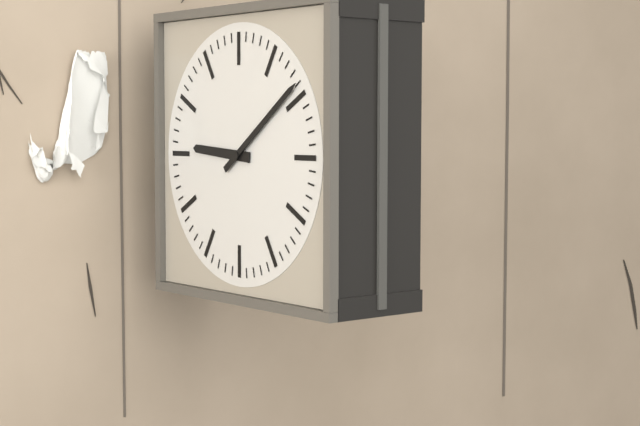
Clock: 9:09
